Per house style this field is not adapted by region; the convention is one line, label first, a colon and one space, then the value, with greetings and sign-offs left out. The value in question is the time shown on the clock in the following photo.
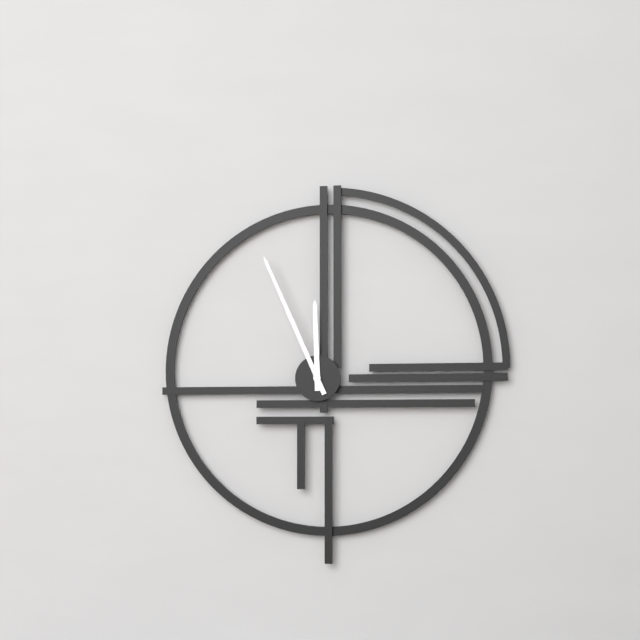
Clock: 11:56
